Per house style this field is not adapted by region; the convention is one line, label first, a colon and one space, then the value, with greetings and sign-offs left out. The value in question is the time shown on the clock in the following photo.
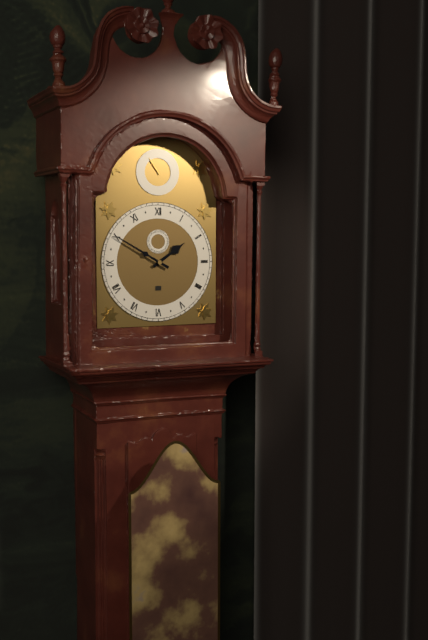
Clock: 1:50
